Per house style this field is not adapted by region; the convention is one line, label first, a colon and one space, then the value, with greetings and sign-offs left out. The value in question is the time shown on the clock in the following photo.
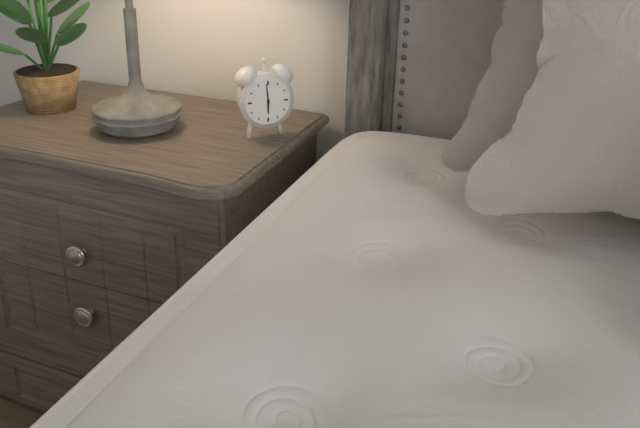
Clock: 5:59
